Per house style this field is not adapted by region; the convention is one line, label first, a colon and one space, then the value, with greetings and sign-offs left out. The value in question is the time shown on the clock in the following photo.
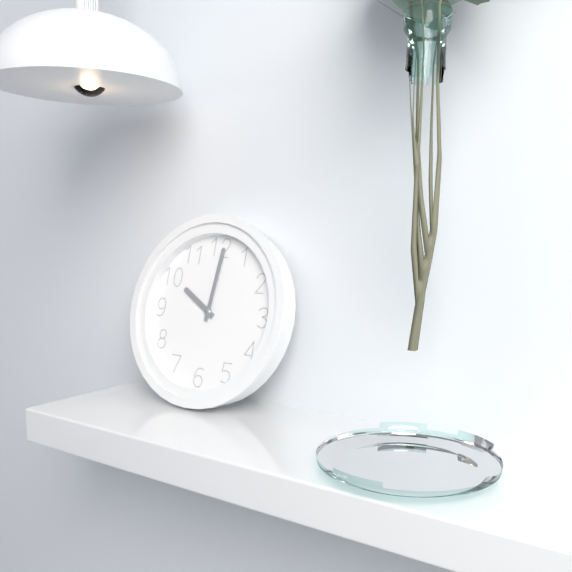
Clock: 10:01
